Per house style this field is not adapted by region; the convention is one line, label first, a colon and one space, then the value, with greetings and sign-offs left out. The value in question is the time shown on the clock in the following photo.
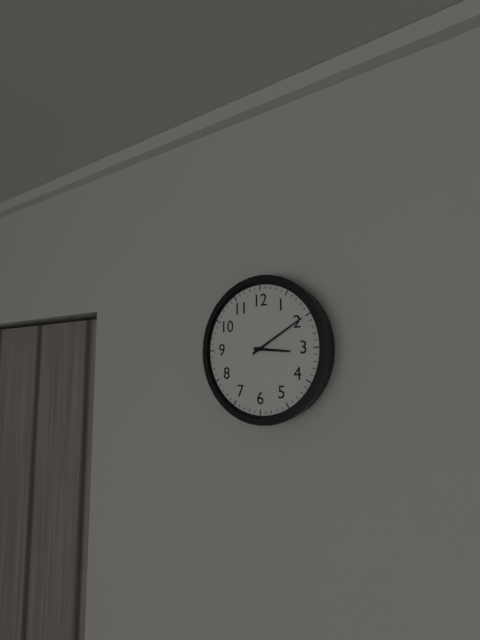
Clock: 3:10
